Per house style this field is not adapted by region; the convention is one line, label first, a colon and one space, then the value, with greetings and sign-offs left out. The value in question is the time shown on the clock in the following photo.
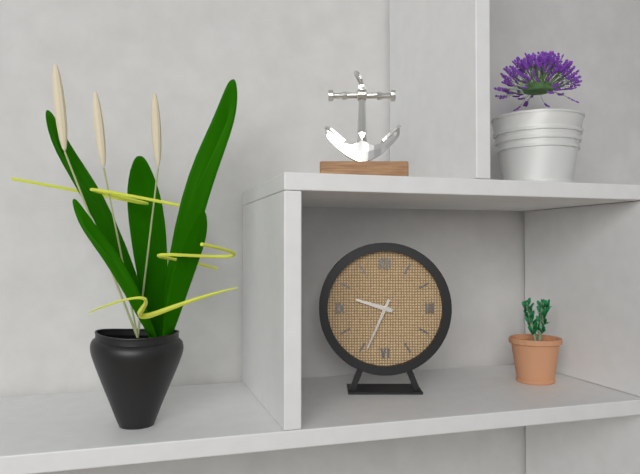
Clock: 9:34
